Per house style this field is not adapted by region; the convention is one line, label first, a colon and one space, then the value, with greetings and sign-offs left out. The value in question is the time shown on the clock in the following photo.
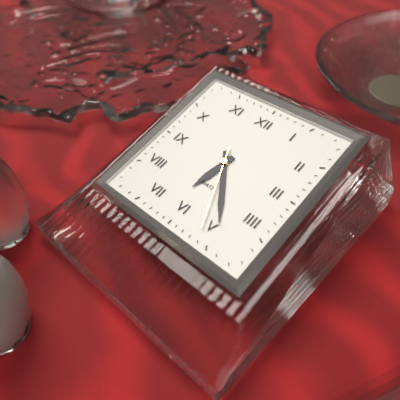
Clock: 6:24:26
